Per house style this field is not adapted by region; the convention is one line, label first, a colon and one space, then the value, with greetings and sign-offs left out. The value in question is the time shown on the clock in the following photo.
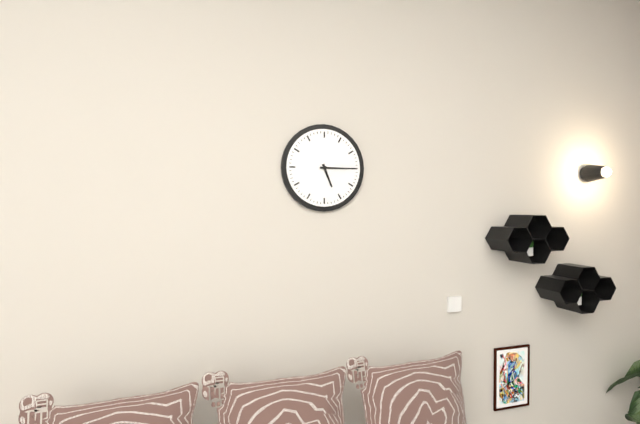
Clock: 5:15
